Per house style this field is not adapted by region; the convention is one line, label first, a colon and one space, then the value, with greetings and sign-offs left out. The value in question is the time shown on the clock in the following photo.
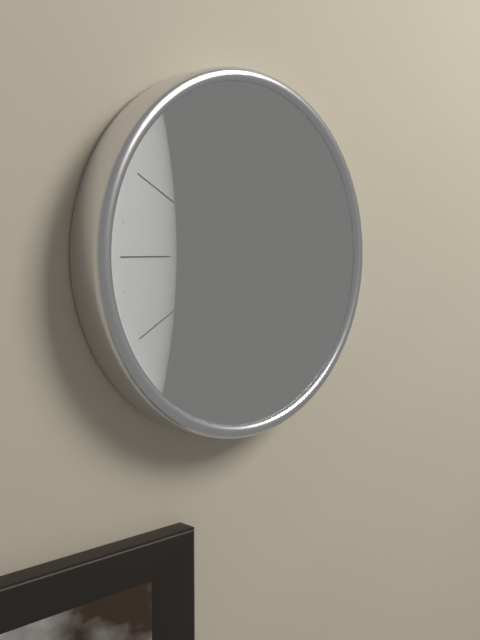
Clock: 7:19
